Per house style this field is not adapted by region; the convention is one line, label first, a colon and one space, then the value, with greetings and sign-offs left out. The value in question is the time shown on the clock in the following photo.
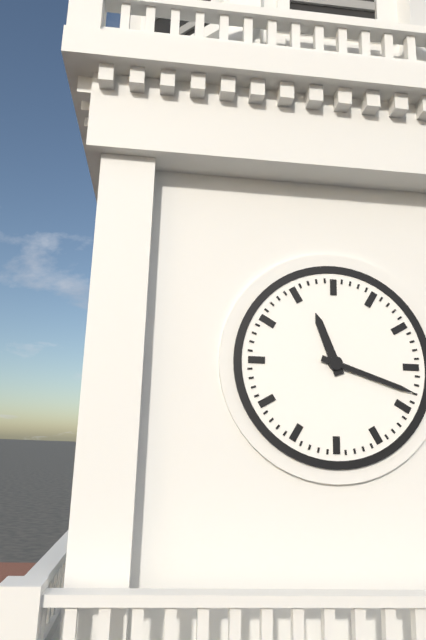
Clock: 11:18
